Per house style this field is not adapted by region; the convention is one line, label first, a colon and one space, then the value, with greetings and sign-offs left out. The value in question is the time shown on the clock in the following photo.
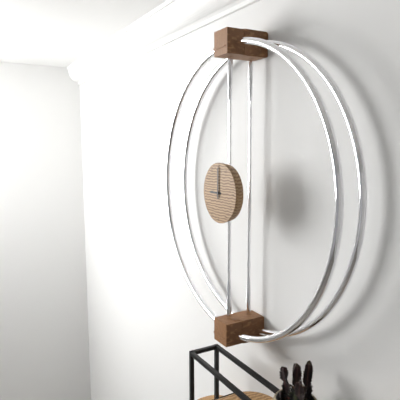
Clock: 9:00
